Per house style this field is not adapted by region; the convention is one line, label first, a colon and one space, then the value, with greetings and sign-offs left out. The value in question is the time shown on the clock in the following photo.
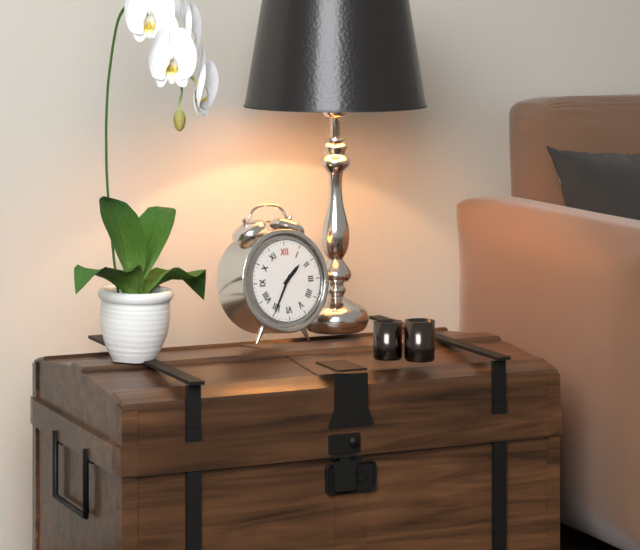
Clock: 1:35
